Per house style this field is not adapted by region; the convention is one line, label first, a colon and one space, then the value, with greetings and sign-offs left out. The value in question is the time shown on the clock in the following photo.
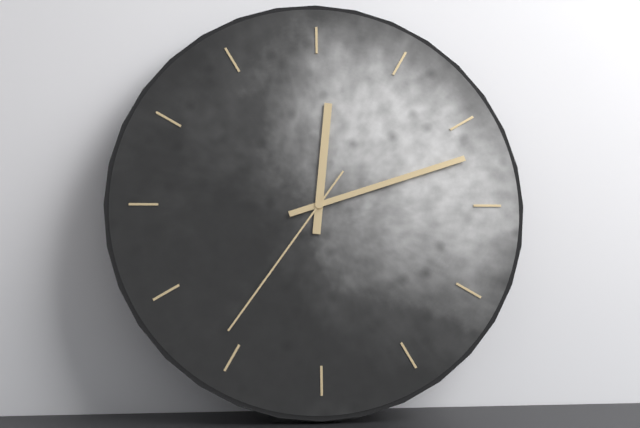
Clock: 12:12:36
